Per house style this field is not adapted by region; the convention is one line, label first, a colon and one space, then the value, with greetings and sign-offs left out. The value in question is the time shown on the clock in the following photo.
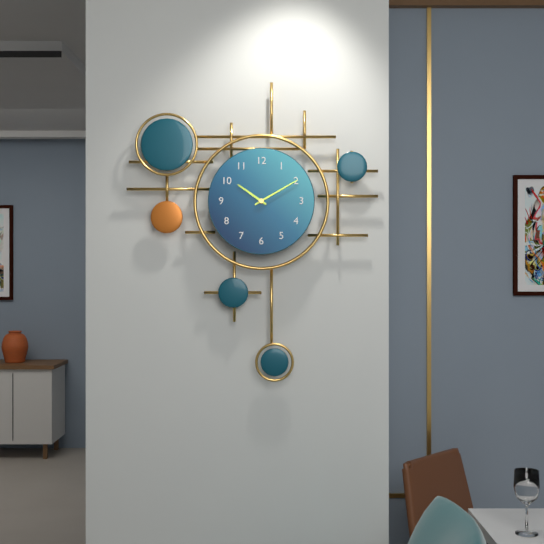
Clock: 10:10
